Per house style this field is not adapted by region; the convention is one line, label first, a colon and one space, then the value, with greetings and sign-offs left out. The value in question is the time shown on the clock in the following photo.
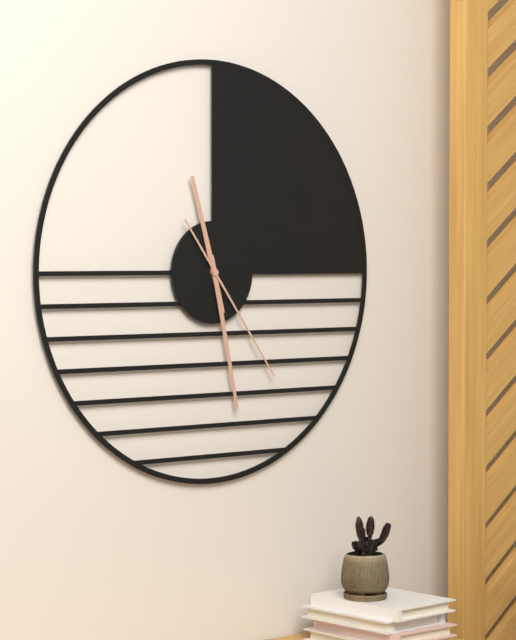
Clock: 11:28:24
